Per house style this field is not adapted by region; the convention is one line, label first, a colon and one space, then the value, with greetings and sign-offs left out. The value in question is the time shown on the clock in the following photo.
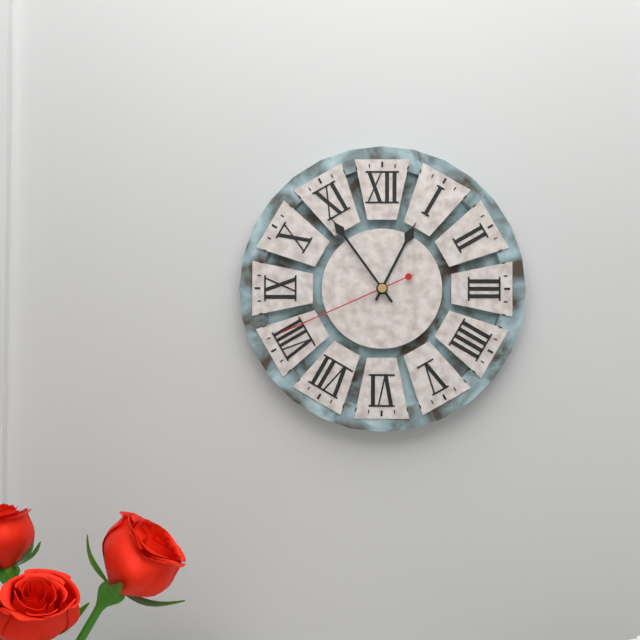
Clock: 12:54:41
